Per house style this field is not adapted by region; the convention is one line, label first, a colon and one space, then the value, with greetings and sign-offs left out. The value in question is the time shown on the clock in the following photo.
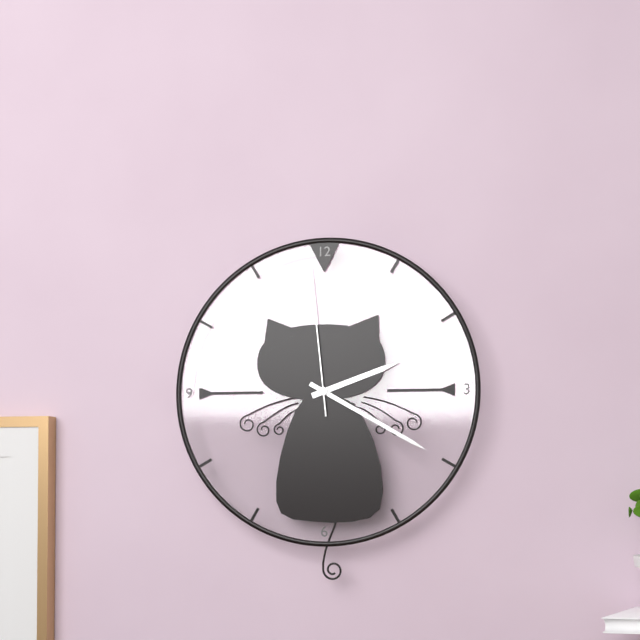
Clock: 2:20:59
